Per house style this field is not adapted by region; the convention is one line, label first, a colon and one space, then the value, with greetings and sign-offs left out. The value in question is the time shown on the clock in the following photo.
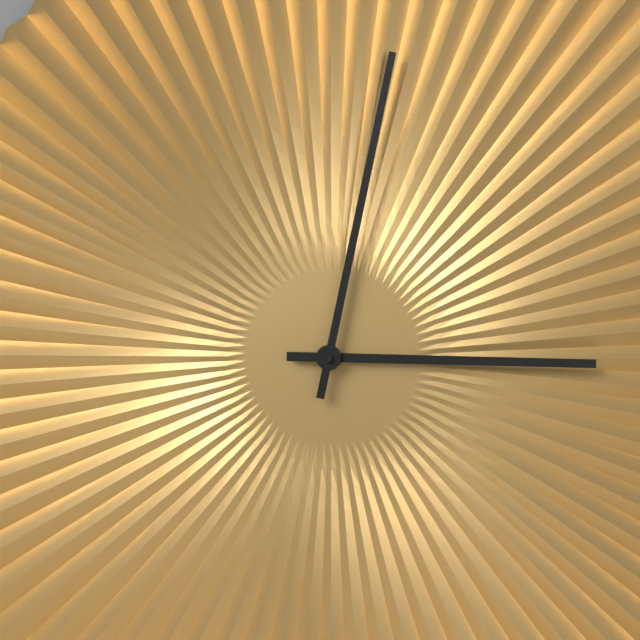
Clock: 3:02
